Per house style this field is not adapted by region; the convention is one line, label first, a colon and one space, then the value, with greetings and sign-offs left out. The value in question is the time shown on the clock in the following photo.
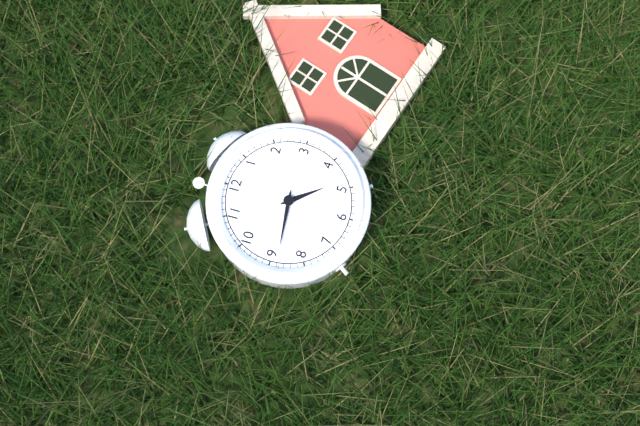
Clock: 4:44
